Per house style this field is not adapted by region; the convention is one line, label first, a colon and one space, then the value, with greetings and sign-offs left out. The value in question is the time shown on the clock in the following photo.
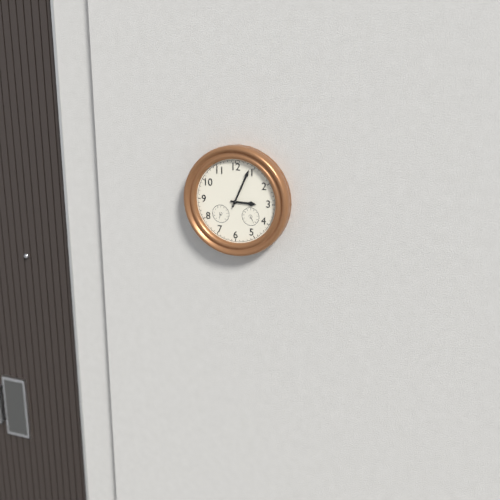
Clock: 3:04
